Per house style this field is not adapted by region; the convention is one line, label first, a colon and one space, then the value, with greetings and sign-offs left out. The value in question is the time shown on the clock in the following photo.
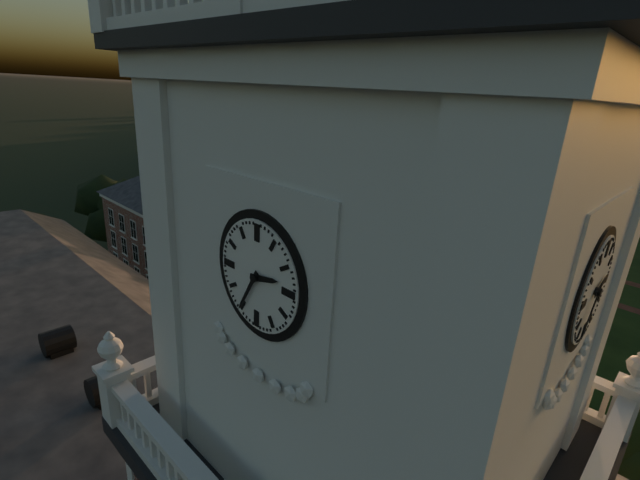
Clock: 2:35
